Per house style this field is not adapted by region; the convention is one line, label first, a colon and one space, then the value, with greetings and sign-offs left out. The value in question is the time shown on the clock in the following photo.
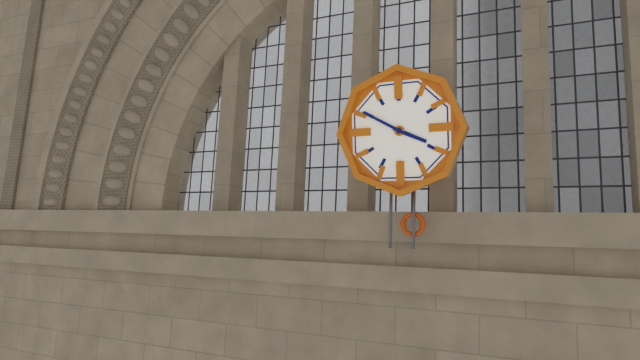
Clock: 3:50
